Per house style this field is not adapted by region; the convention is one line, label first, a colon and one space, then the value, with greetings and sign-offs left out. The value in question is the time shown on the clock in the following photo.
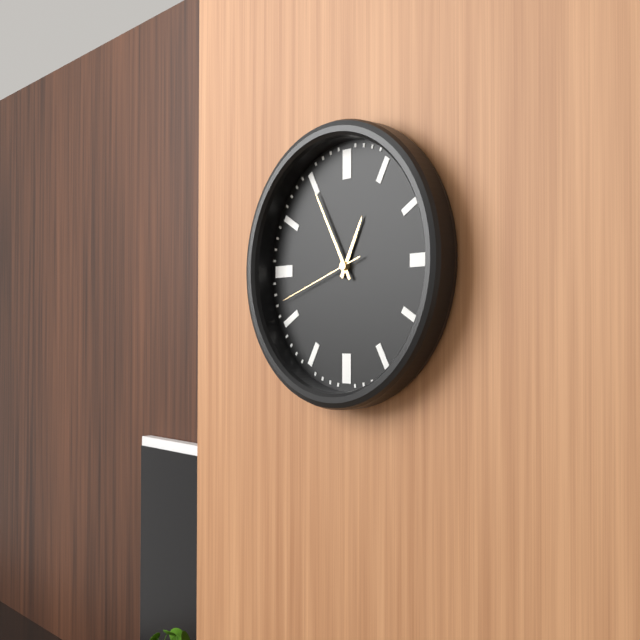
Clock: 12:55:42
